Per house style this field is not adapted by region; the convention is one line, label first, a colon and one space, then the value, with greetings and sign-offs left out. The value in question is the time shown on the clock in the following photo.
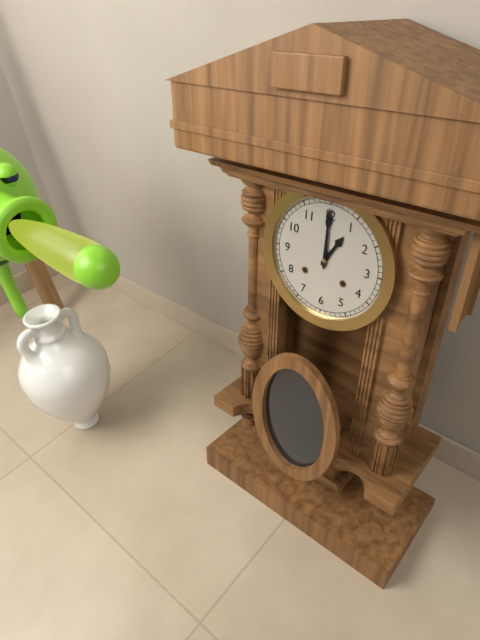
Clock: 1:00
